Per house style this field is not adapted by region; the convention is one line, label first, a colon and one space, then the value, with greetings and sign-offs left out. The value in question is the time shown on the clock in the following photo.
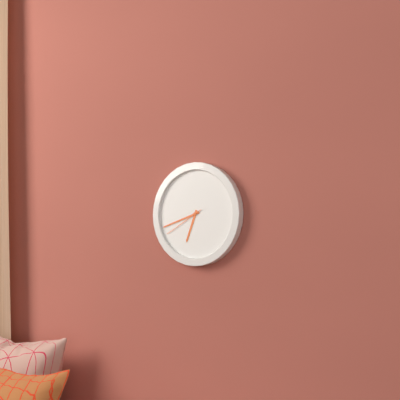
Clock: 6:42
